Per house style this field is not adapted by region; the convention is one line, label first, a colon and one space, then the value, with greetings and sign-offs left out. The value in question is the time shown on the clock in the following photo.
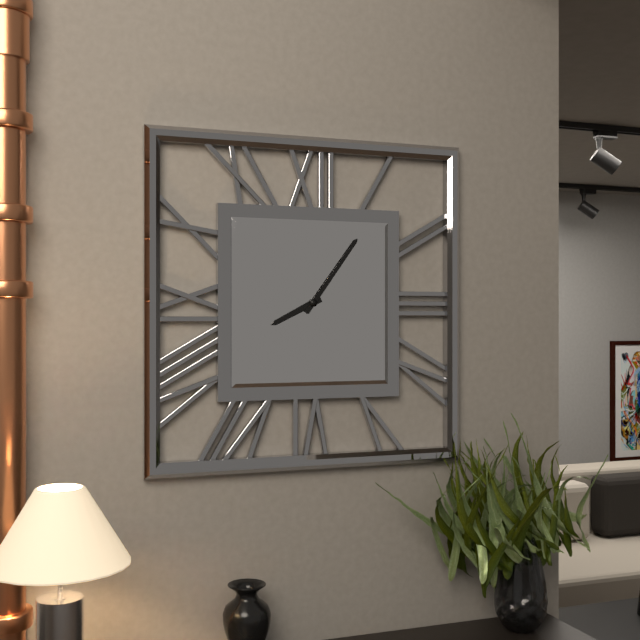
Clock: 8:06
